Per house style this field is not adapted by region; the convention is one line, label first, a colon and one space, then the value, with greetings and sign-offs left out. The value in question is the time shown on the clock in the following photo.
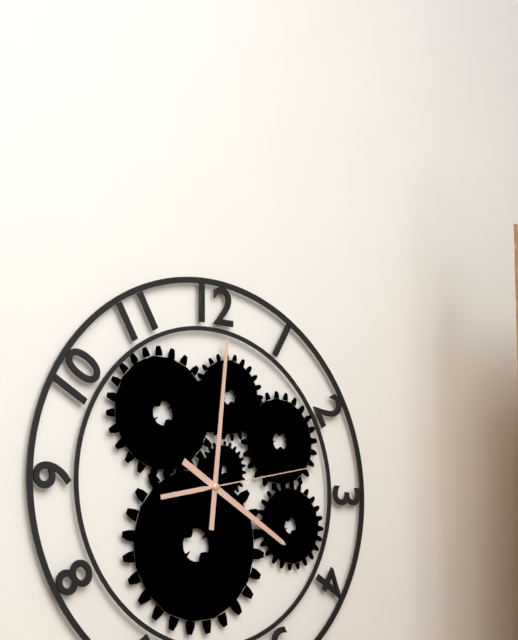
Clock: 4:01:13
